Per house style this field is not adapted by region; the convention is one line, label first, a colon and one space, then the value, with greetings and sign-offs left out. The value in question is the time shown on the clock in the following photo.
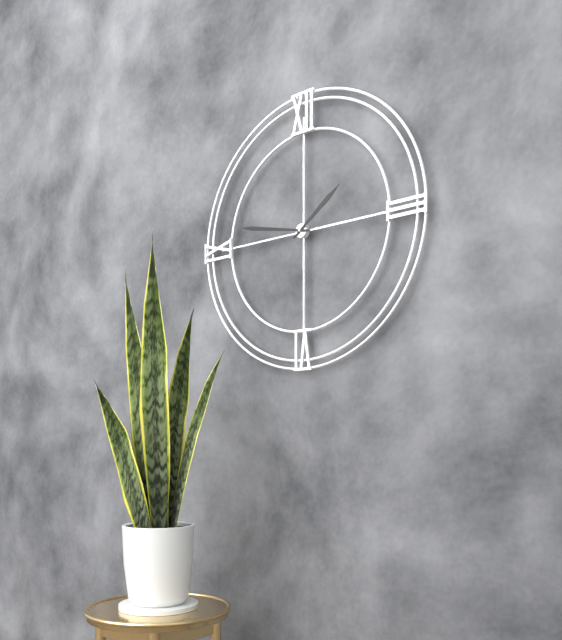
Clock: 1:47
